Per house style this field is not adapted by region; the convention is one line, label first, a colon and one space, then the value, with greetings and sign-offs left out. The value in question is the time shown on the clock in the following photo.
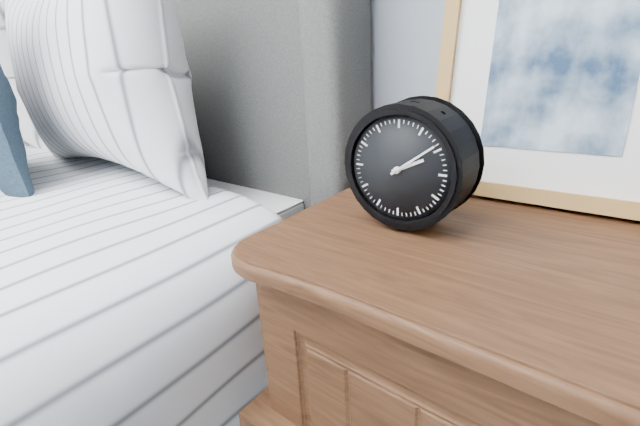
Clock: 2:09
